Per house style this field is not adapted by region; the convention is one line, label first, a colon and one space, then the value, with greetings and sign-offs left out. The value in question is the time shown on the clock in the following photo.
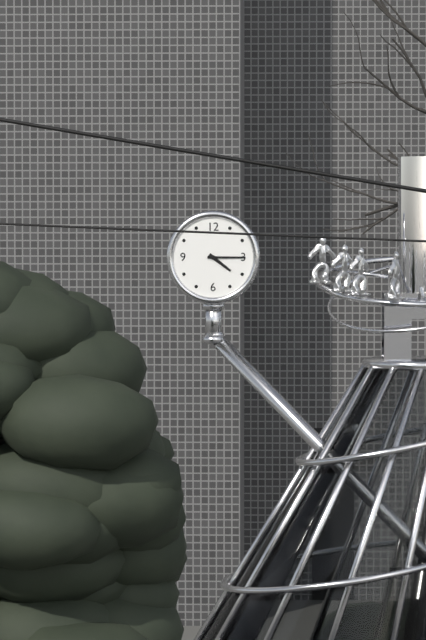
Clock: 4:15
